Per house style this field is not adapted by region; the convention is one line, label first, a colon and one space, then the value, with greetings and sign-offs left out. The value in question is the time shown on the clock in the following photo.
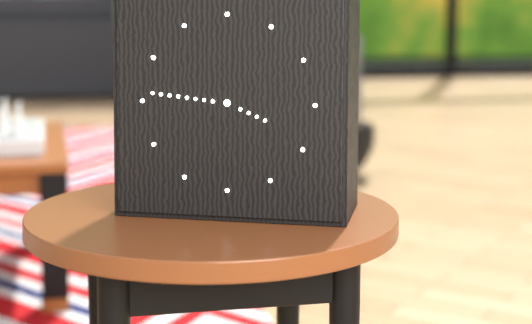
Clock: 3:46
